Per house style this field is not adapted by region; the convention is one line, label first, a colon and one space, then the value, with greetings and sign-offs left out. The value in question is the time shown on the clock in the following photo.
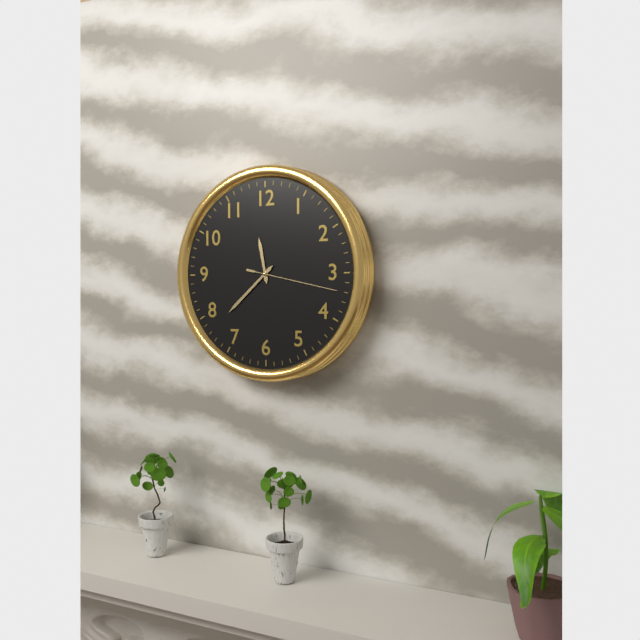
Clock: 11:38:17
